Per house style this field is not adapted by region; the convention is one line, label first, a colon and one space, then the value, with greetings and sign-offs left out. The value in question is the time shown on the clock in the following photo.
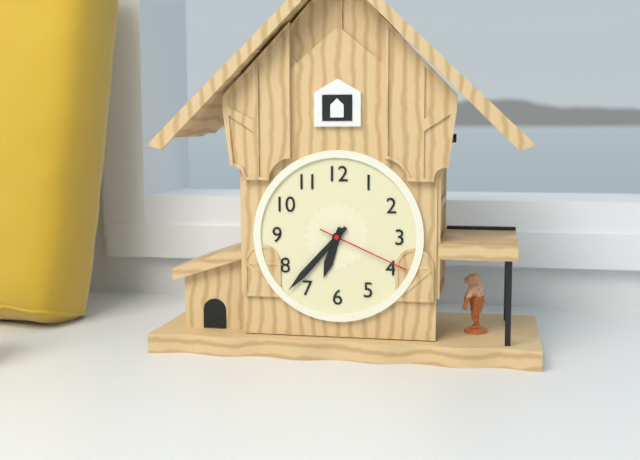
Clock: 6:37:19
